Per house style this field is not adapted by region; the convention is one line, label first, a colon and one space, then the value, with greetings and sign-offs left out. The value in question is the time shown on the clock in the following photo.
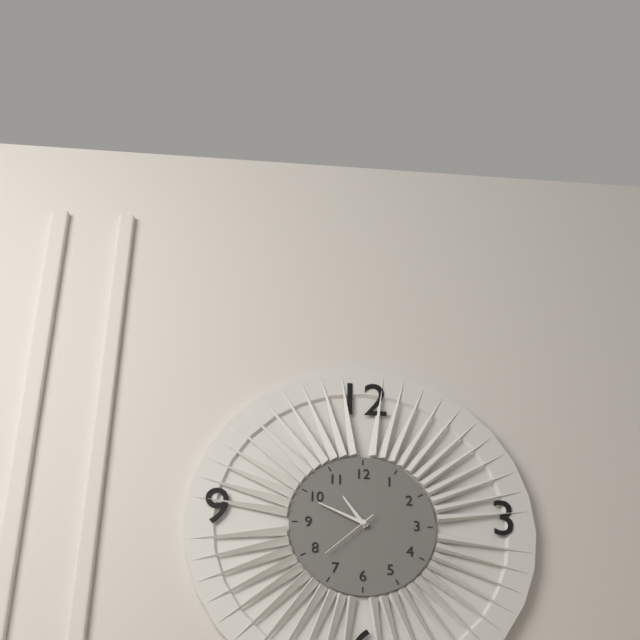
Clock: 10:49:38
